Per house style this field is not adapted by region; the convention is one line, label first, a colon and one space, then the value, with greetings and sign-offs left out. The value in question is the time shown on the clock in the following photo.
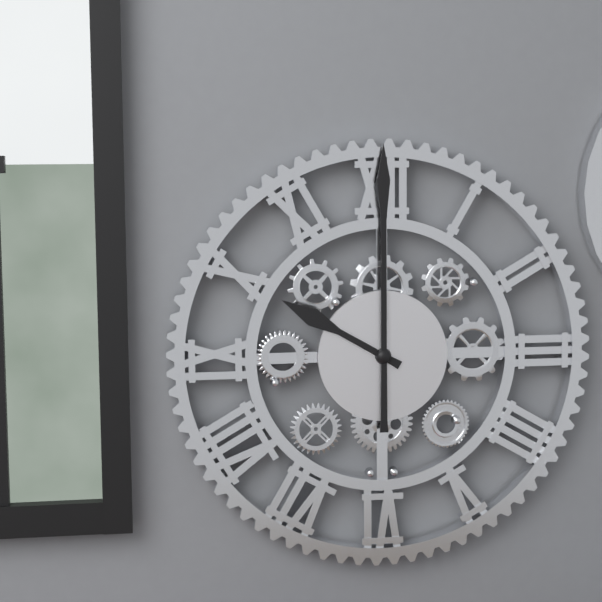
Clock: 10:00
